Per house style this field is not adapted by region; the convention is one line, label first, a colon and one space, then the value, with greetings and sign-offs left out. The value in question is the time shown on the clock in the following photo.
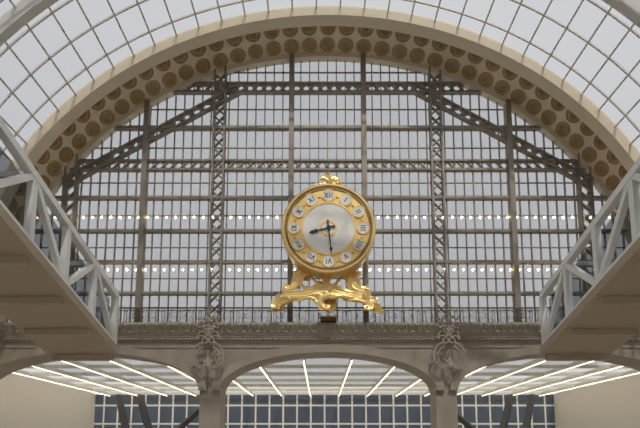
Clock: 8:29
